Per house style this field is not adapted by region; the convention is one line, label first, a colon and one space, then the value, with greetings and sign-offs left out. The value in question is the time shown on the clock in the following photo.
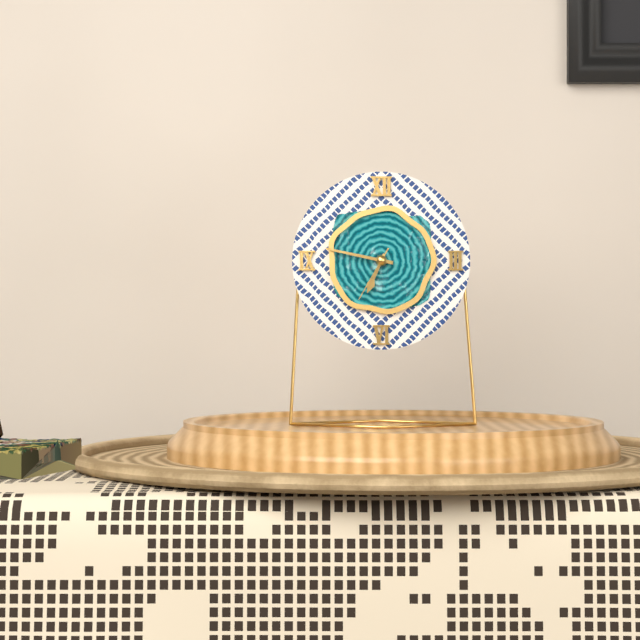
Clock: 6:47:35
